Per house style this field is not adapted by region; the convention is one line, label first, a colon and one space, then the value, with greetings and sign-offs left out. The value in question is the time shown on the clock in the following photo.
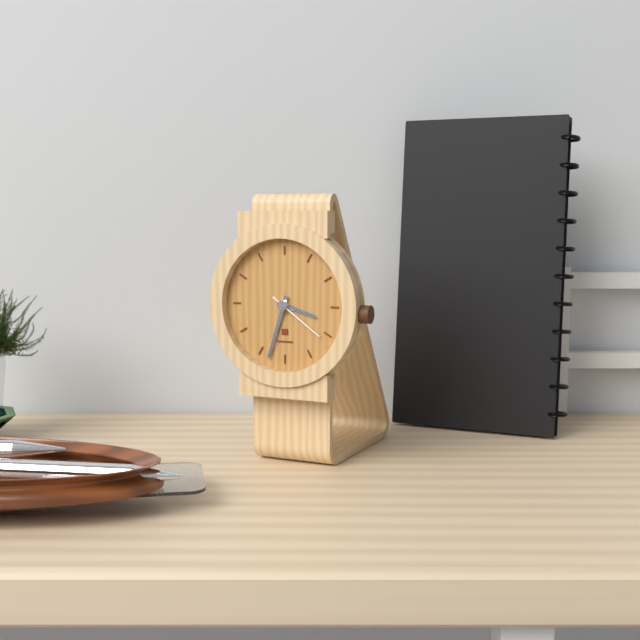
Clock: 3:33:21
